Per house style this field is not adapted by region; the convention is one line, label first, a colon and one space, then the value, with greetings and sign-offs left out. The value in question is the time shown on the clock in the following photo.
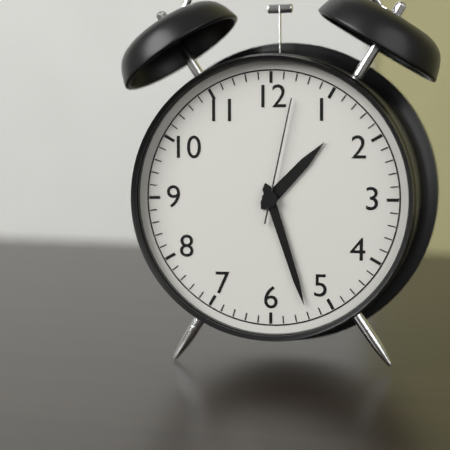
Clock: 1:27:02
